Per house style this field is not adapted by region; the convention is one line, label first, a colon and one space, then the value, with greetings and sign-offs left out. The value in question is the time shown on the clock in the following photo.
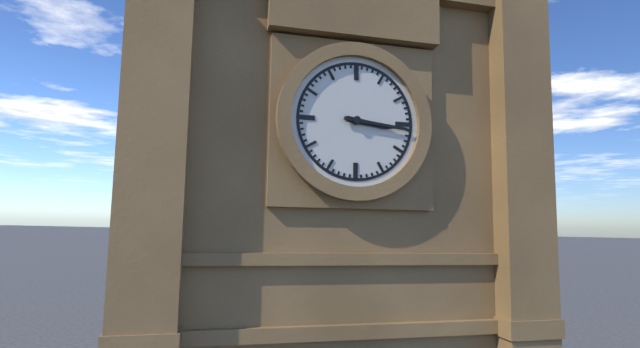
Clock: 3:16
